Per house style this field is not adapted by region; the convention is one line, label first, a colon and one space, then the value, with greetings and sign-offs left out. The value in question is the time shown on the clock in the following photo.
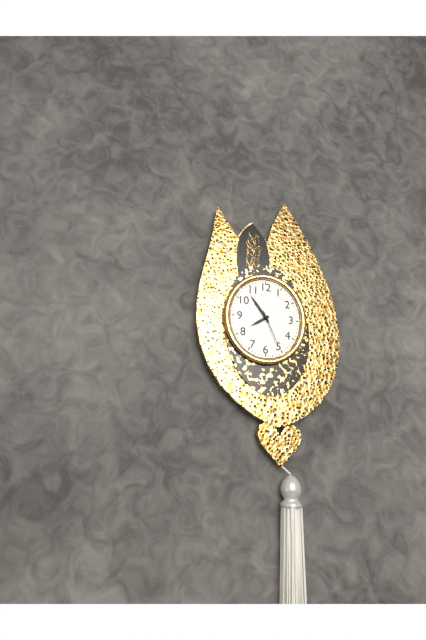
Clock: 7:54
